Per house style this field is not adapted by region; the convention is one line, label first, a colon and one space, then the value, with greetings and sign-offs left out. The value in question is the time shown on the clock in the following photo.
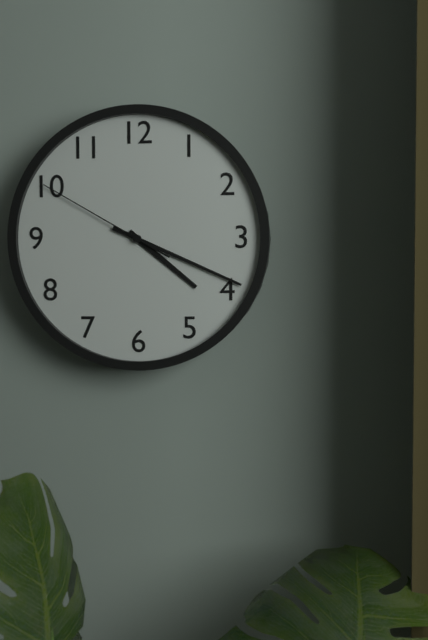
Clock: 4:19:50
